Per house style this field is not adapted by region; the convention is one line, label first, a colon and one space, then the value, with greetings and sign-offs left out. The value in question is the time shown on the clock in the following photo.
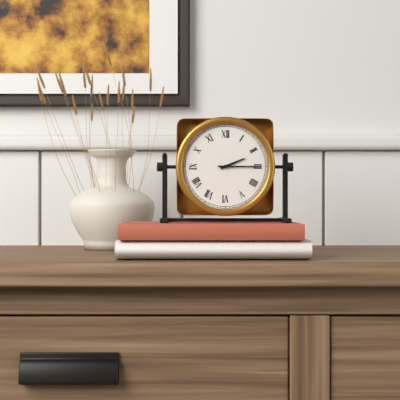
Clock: 2:15
